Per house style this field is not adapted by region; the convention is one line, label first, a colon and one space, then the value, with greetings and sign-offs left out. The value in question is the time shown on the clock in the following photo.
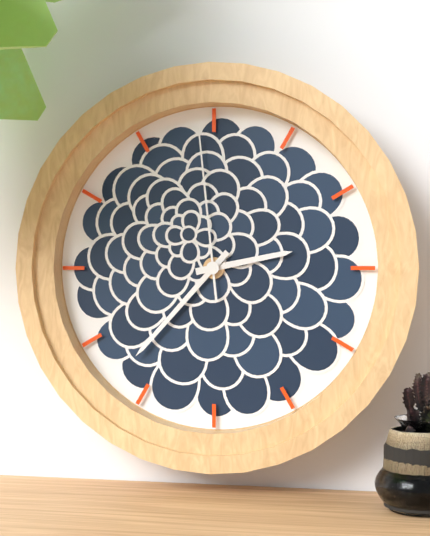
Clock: 2:37:59
